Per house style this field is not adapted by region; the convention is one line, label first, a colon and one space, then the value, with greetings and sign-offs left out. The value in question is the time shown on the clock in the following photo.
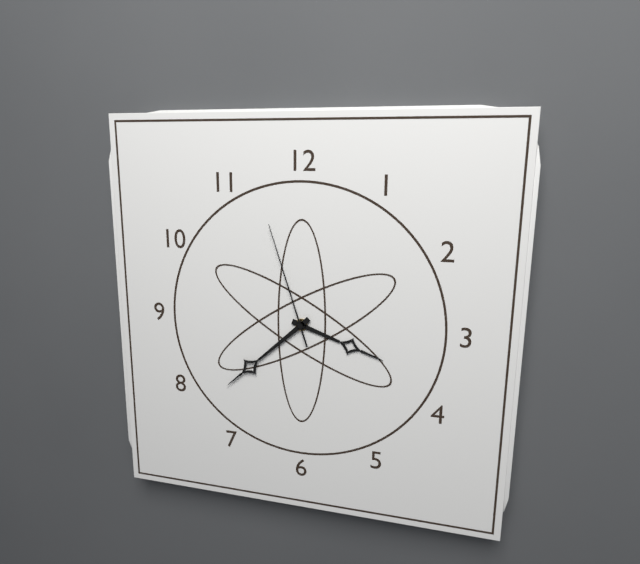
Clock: 3:38:57
